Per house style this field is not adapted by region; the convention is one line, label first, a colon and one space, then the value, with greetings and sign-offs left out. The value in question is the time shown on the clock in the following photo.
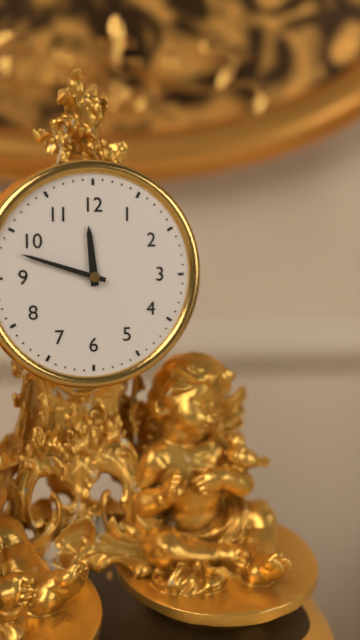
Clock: 11:48
